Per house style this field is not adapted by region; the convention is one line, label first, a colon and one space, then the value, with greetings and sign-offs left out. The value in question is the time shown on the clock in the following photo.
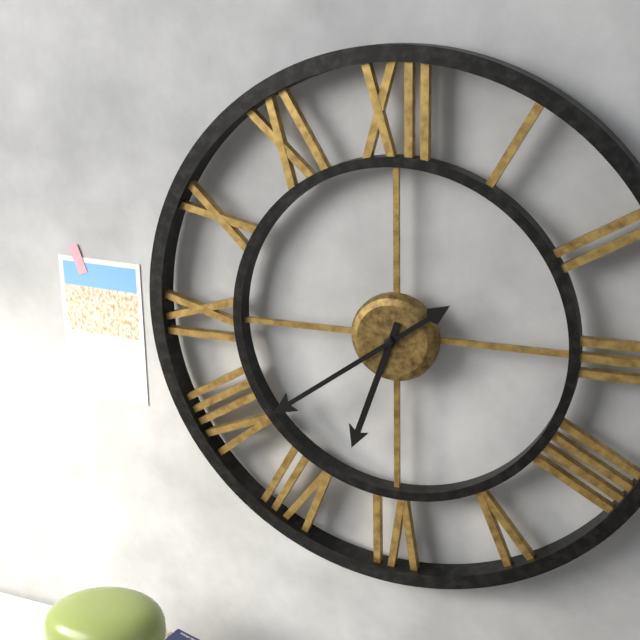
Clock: 6:39
